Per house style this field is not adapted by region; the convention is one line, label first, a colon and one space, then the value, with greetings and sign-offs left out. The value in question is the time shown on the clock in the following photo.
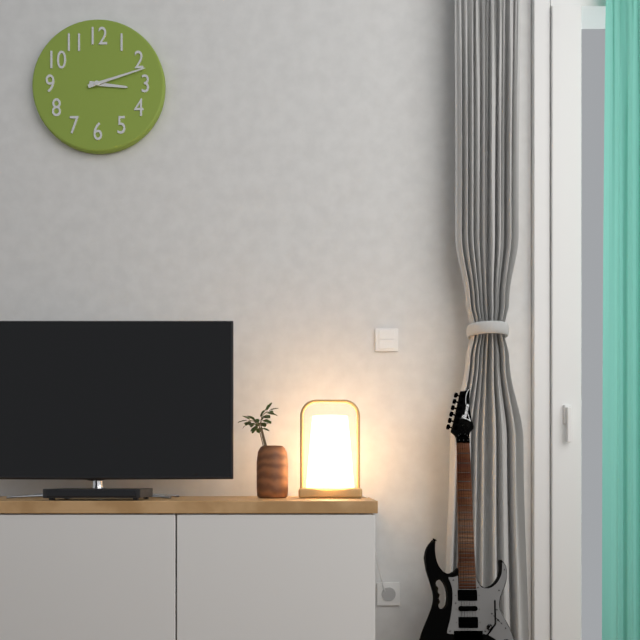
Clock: 3:12
